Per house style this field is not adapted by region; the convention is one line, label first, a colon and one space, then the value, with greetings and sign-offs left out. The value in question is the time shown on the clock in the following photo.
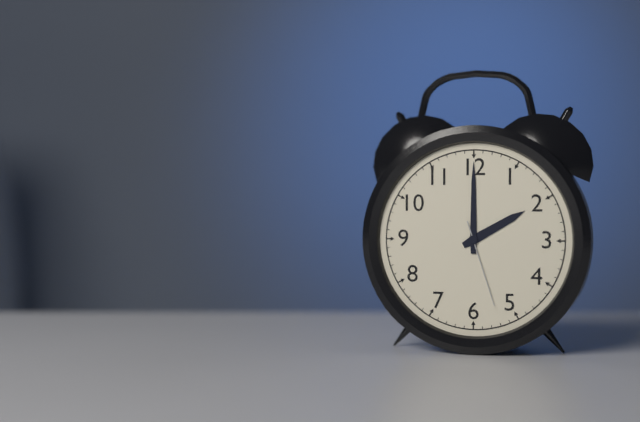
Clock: 2:00:27
